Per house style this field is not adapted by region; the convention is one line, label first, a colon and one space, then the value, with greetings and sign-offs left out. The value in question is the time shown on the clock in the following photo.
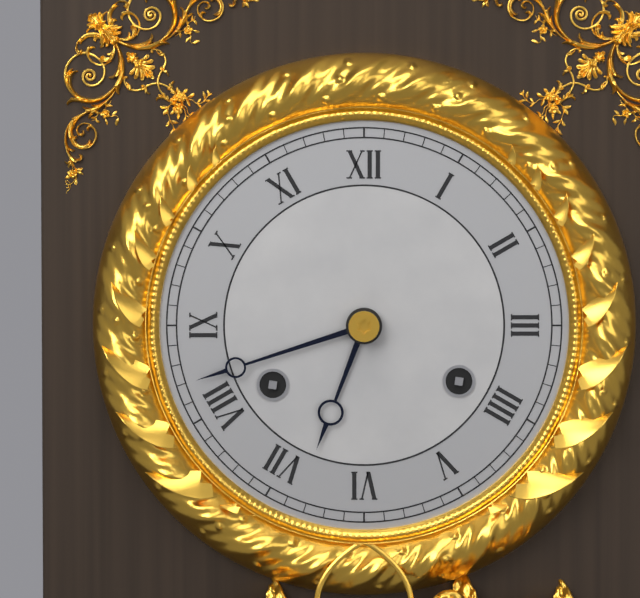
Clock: 6:42
